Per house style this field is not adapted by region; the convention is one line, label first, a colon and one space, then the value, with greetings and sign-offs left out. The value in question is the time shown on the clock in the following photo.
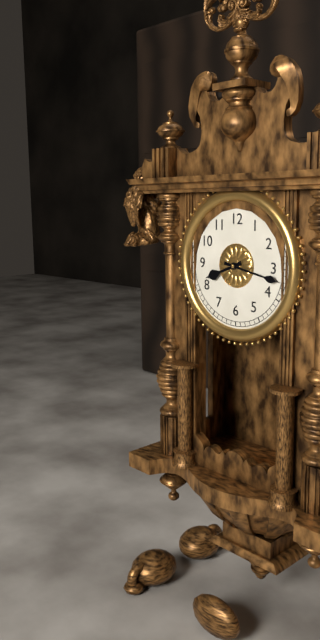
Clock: 8:17
